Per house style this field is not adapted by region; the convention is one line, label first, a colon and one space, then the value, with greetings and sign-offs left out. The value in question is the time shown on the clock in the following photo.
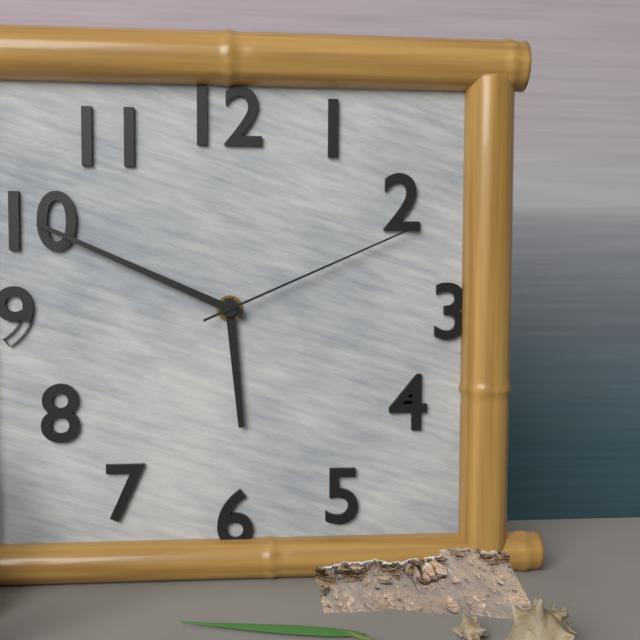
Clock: 5:49:11
